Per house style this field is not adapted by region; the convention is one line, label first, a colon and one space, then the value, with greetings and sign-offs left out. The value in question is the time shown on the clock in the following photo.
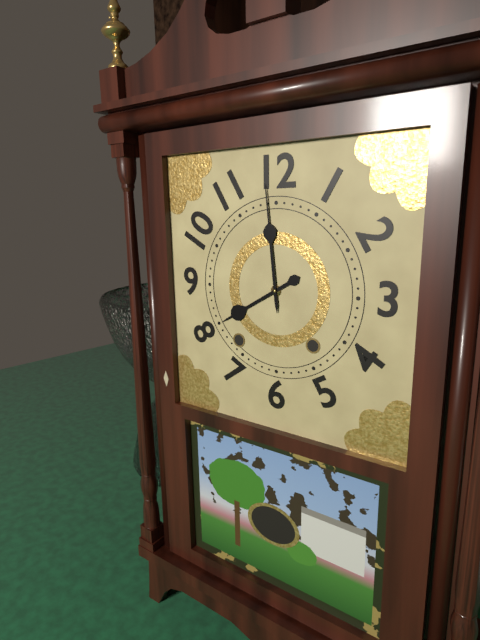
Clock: 7:59
